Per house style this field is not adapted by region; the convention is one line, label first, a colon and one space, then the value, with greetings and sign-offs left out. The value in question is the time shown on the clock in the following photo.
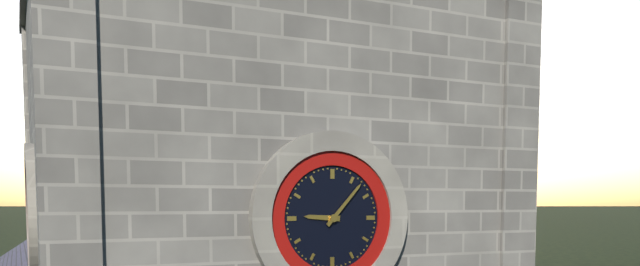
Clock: 9:07
